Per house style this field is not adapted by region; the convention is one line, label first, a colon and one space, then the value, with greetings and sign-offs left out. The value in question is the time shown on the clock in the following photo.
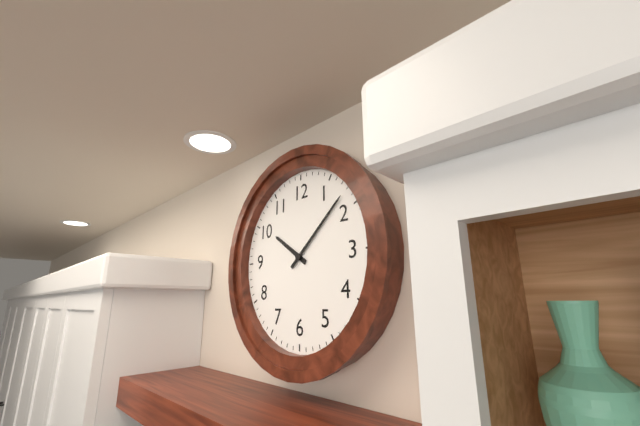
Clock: 10:08
